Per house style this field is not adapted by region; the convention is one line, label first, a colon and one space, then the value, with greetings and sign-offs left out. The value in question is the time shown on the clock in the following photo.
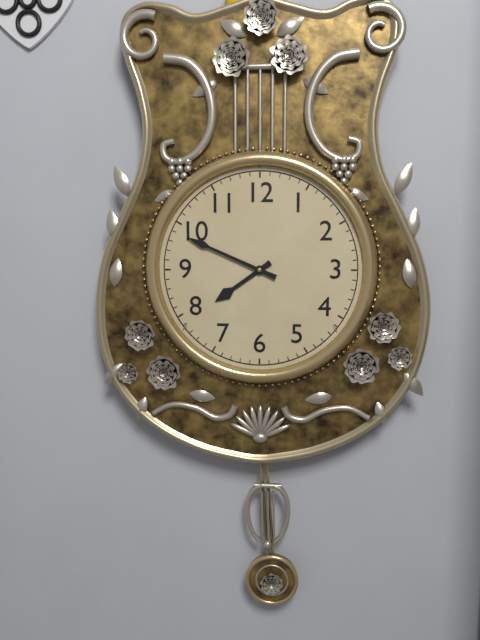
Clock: 7:49
